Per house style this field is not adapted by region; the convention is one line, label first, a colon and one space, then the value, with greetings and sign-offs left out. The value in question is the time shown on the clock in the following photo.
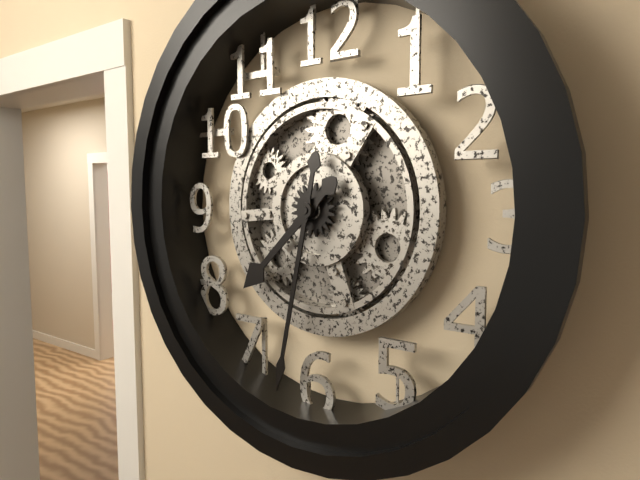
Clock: 7:32
